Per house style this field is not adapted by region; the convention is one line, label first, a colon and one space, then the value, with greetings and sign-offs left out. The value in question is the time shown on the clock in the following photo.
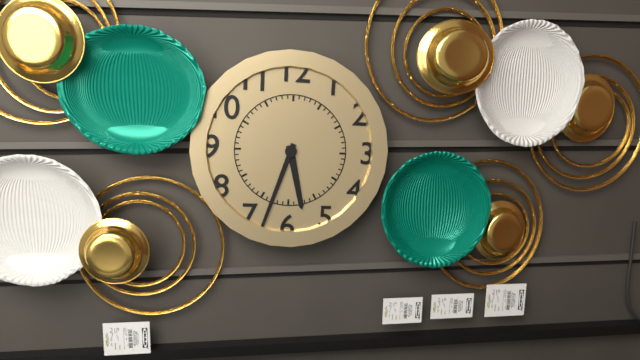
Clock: 5:33
